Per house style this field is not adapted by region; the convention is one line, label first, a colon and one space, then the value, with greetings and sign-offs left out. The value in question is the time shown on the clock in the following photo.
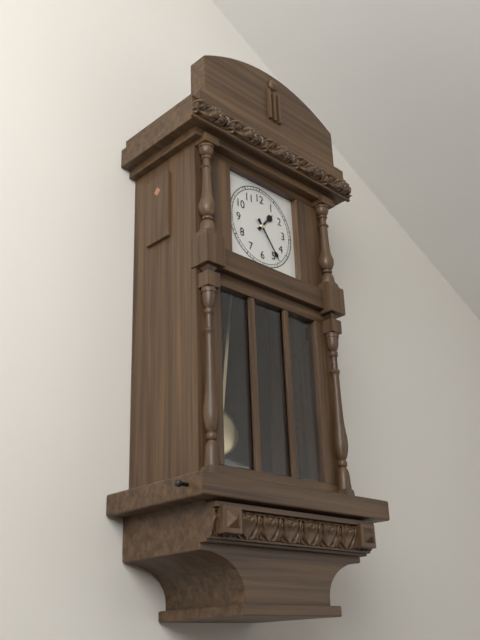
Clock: 1:24
